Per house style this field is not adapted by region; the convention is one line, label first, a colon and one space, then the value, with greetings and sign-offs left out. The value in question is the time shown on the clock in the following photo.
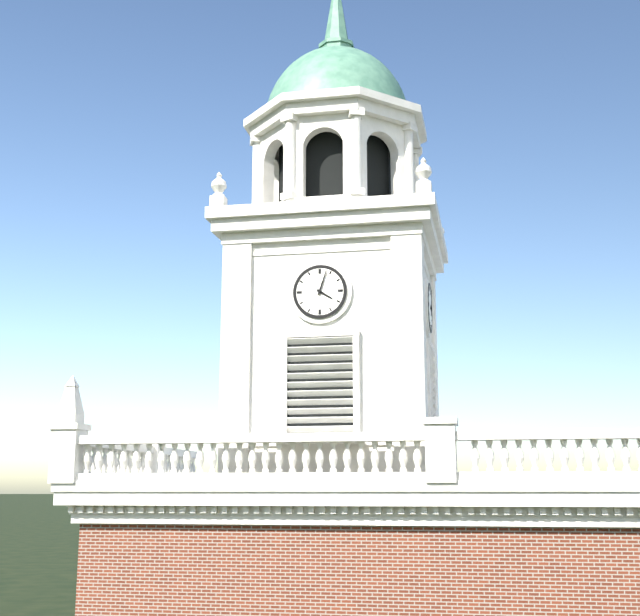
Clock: 4:03
